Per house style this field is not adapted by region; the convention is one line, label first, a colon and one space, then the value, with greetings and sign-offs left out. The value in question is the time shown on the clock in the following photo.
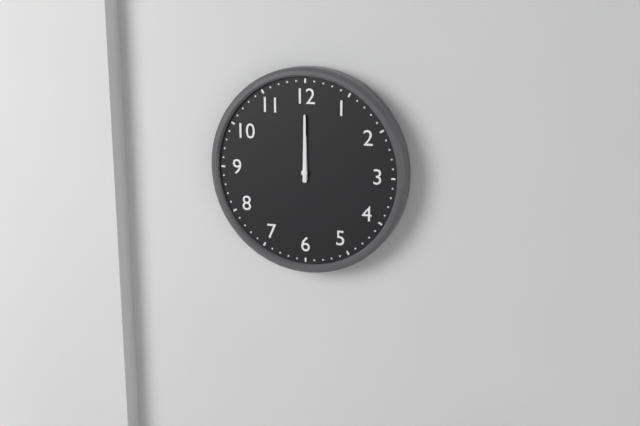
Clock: 12:00
